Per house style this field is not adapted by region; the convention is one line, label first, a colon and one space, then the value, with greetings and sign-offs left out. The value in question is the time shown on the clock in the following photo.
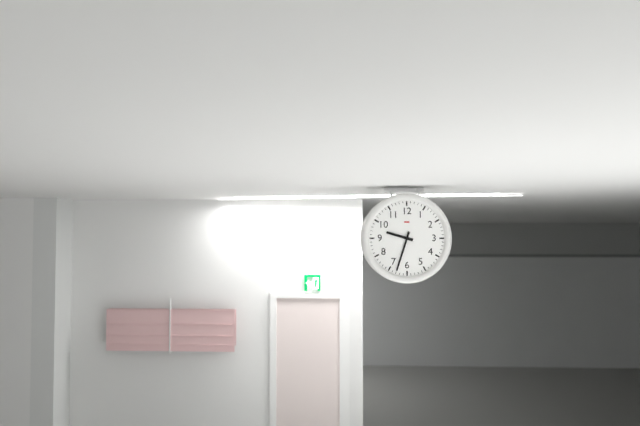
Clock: 9:33
